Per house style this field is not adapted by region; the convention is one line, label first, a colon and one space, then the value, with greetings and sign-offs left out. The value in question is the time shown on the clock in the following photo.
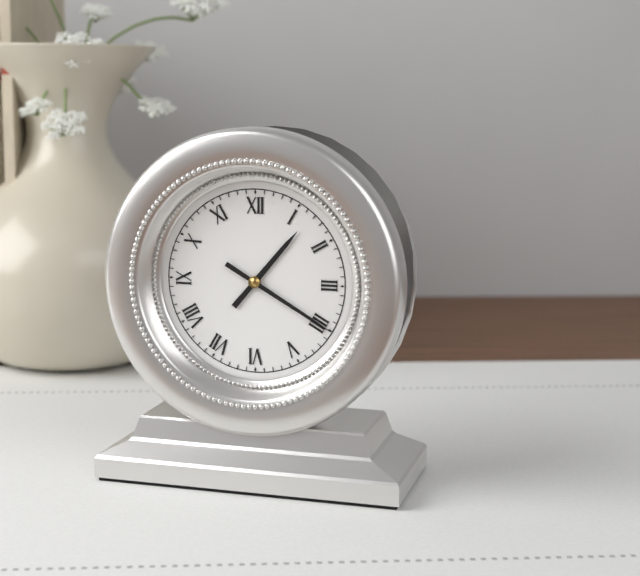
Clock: 1:20
